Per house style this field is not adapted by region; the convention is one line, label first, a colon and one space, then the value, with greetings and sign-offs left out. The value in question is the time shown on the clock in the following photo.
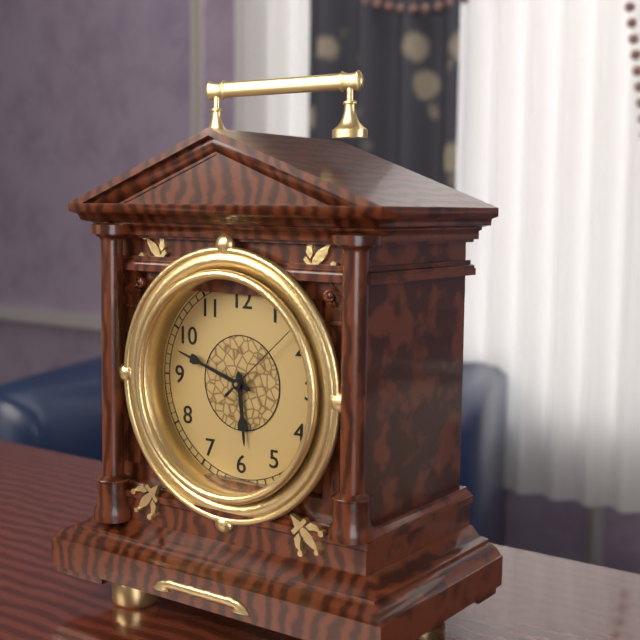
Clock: 5:48:08
